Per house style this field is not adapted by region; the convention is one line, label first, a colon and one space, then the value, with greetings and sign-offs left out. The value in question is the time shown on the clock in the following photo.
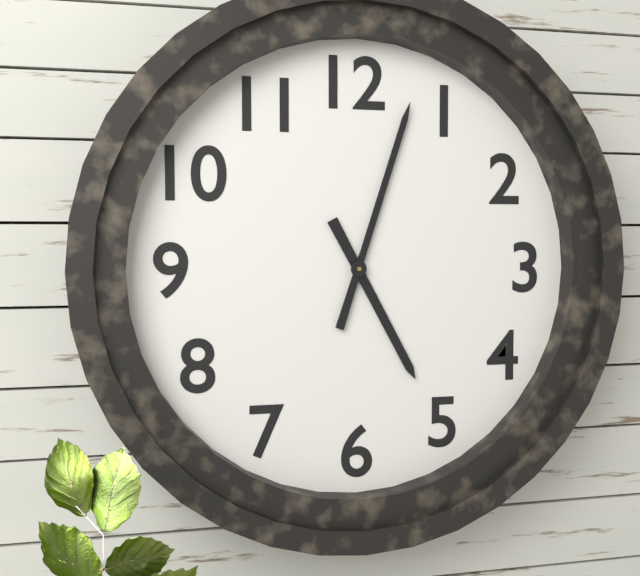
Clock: 5:03
